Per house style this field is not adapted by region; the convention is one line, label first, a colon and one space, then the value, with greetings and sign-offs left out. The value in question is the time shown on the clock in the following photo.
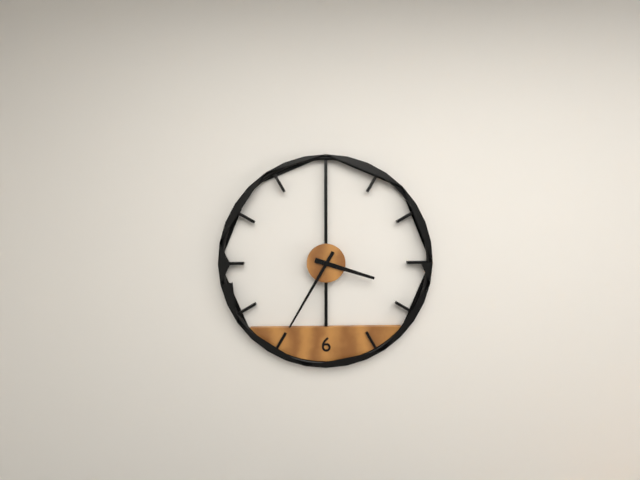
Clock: 3:35
